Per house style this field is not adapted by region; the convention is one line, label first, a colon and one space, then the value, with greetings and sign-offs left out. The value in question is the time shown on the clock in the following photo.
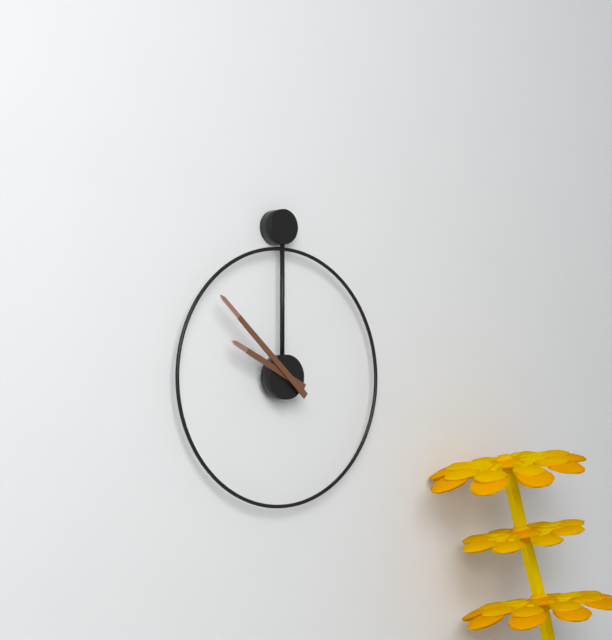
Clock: 9:52
